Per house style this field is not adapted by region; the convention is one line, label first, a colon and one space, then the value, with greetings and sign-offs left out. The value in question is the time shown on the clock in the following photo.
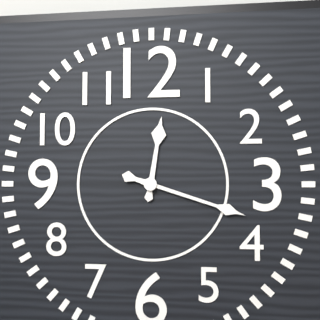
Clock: 12:18
